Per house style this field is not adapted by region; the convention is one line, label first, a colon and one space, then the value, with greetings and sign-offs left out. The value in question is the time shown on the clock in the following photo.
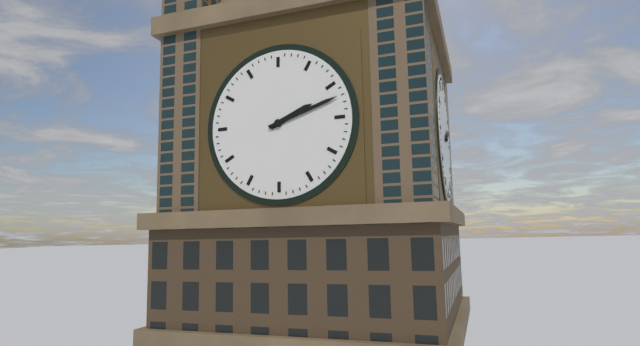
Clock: 2:12
